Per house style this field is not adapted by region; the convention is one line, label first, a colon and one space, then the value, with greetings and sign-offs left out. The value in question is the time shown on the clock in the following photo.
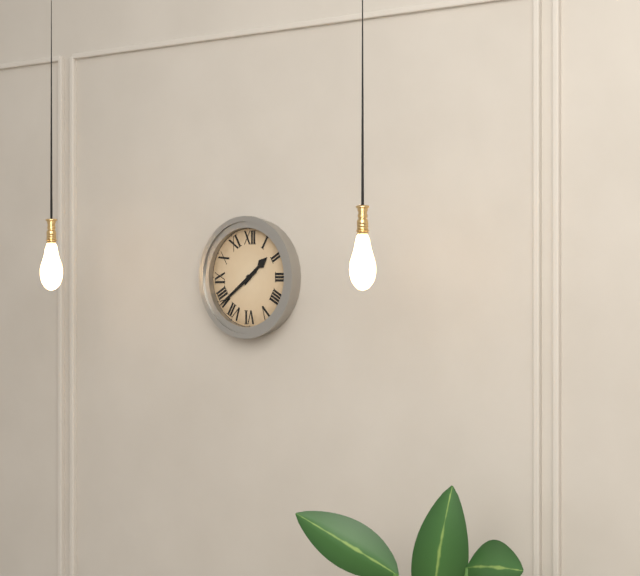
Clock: 1:39
